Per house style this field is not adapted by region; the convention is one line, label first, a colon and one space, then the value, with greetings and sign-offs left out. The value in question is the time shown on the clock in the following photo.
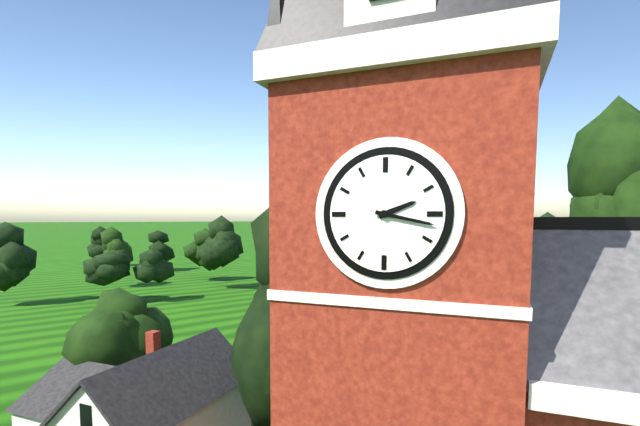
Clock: 2:17
